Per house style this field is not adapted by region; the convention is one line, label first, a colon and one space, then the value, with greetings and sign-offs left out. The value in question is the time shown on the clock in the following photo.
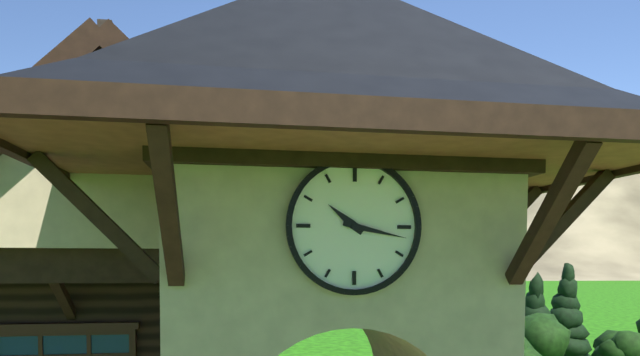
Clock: 10:17
